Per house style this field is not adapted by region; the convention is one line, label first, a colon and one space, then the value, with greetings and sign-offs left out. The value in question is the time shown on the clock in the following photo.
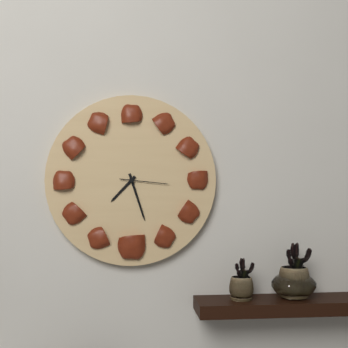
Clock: 7:27
